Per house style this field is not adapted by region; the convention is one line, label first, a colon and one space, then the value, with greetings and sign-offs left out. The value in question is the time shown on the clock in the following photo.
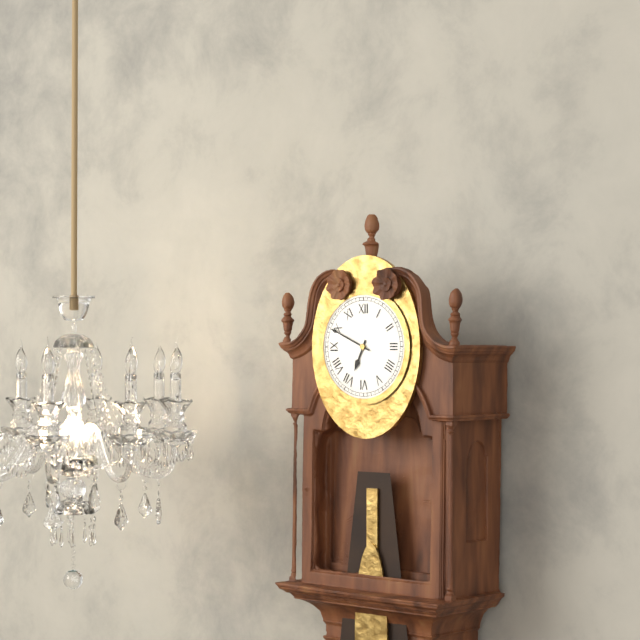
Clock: 6:49
